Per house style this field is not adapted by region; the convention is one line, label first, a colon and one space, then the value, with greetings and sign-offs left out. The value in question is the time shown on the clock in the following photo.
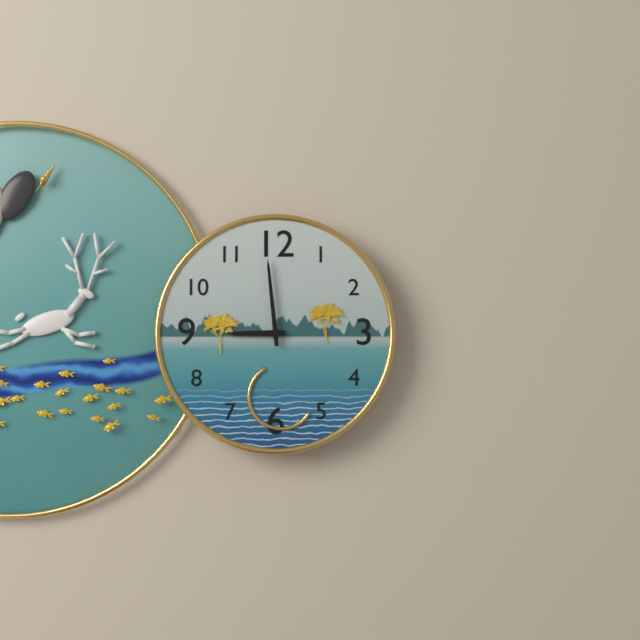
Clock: 8:59
